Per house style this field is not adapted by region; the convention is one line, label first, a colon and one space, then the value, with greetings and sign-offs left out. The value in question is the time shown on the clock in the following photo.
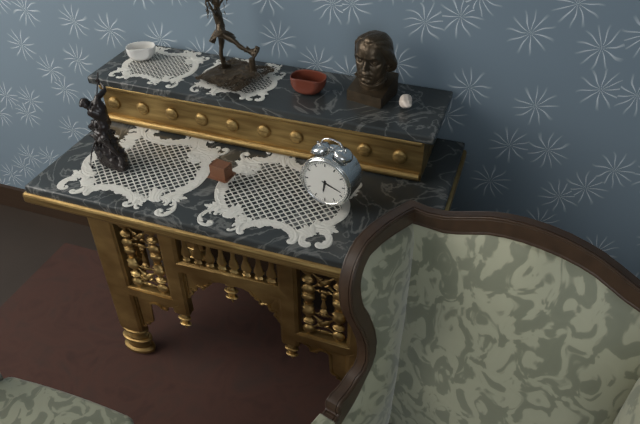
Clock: 6:18
